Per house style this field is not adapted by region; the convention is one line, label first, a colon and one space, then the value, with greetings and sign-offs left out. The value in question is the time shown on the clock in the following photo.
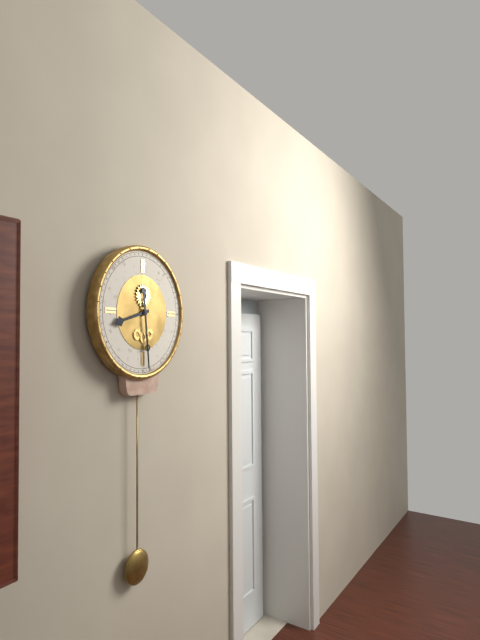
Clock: 8:29
